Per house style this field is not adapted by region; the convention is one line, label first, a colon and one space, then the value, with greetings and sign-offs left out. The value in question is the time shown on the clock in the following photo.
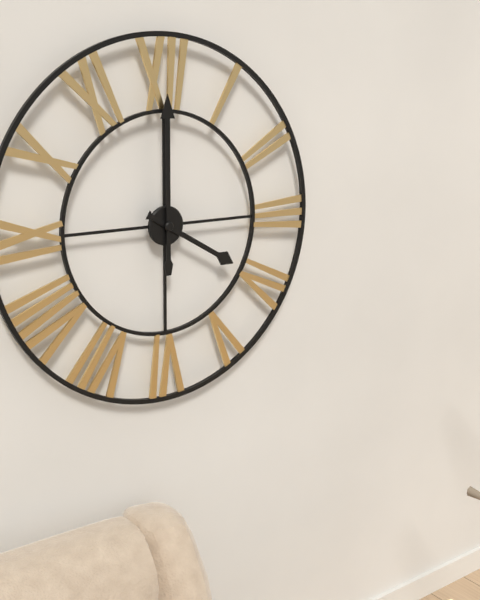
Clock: 4:00
